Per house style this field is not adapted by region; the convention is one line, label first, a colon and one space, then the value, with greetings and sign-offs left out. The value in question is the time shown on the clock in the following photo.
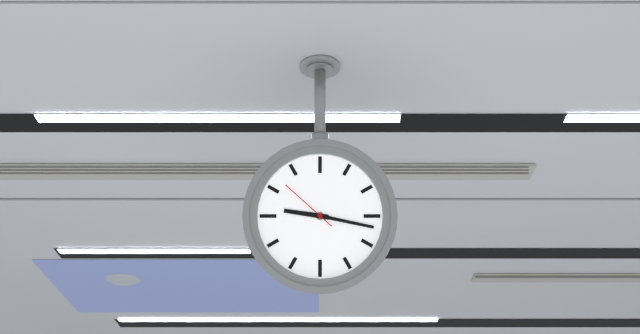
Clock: 9:17:52
